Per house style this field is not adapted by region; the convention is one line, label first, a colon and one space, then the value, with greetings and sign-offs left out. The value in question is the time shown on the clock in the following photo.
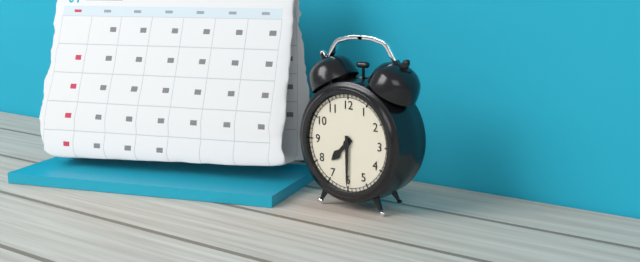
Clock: 7:30
